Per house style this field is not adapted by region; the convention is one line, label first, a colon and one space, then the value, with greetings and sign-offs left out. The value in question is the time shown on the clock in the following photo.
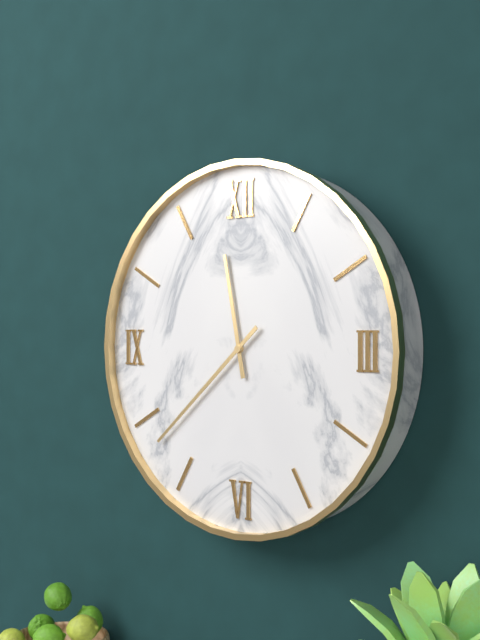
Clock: 11:38
